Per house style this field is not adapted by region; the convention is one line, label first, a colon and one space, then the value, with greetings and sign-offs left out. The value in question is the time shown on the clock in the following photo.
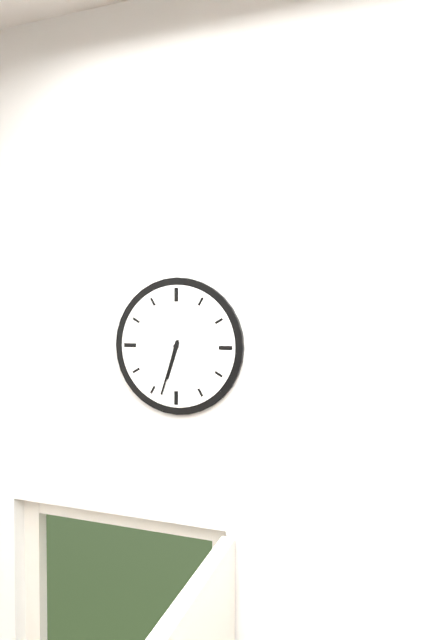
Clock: 6:33
